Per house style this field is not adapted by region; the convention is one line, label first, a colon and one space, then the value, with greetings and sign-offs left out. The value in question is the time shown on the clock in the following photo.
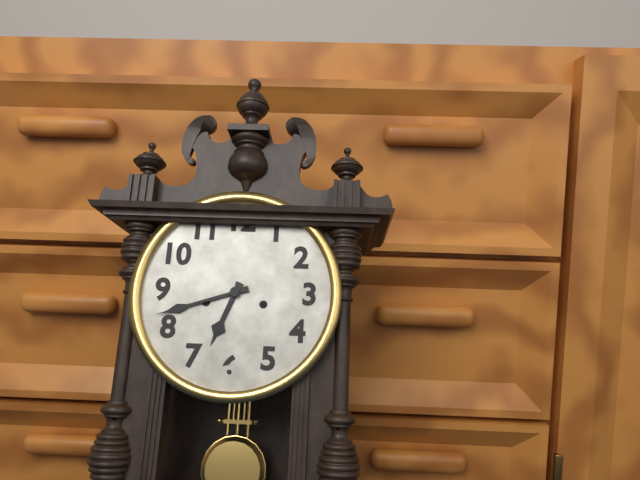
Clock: 6:42
